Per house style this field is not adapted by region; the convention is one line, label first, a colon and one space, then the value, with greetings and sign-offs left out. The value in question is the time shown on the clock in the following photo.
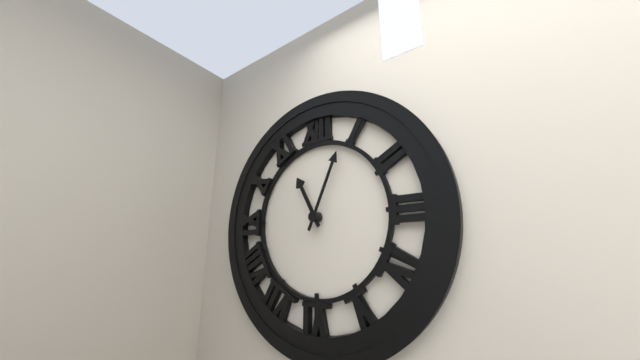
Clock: 11:04
